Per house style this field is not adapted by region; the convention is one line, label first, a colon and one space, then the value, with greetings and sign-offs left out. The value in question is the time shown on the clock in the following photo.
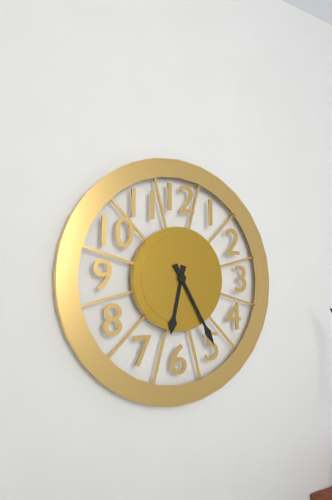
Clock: 6:25
